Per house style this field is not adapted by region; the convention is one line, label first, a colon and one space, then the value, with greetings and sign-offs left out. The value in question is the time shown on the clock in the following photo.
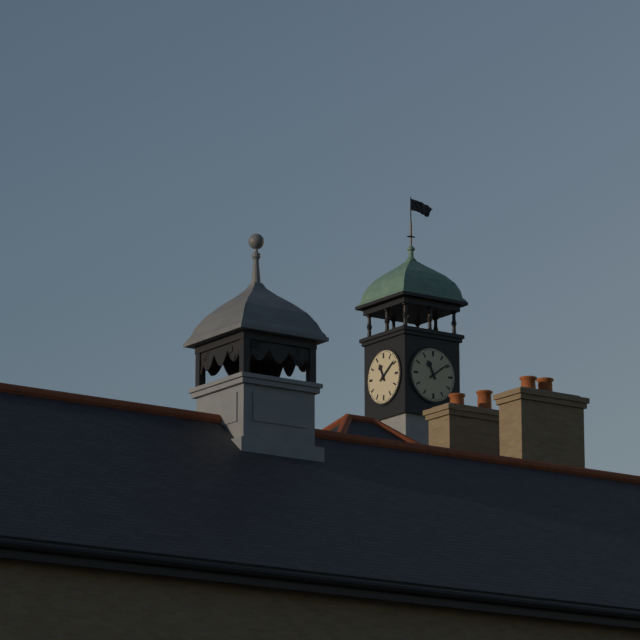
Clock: 11:09
